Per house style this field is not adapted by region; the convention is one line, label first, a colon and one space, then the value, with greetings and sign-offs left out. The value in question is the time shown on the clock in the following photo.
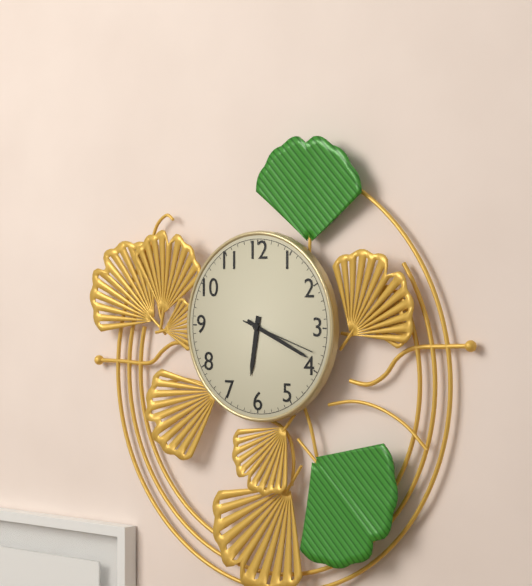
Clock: 6:19:18
